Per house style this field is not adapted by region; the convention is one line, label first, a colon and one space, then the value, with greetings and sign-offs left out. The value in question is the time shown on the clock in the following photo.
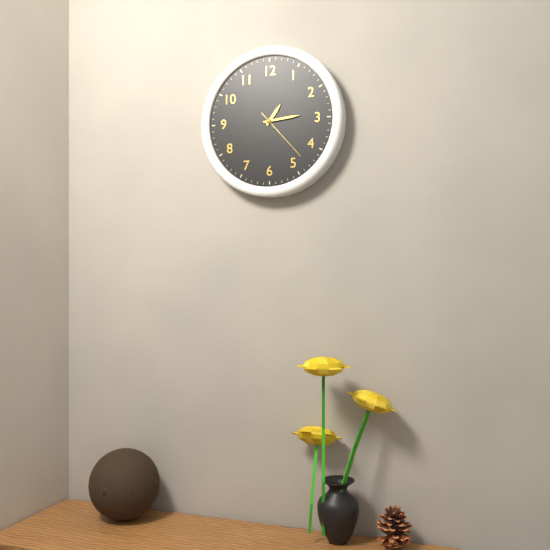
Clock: 1:14:23
